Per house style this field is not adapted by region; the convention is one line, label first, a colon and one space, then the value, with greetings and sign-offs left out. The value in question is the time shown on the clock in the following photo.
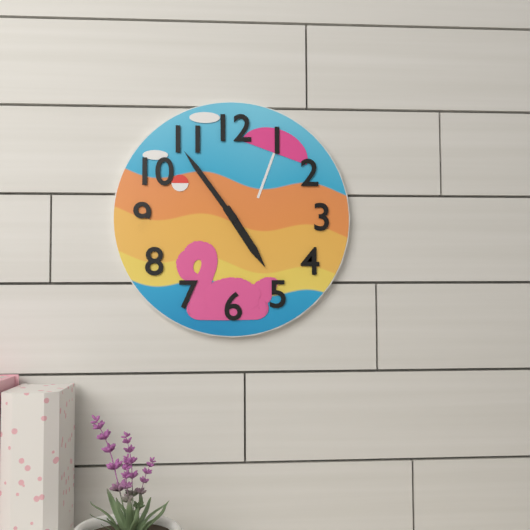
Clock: 4:54
